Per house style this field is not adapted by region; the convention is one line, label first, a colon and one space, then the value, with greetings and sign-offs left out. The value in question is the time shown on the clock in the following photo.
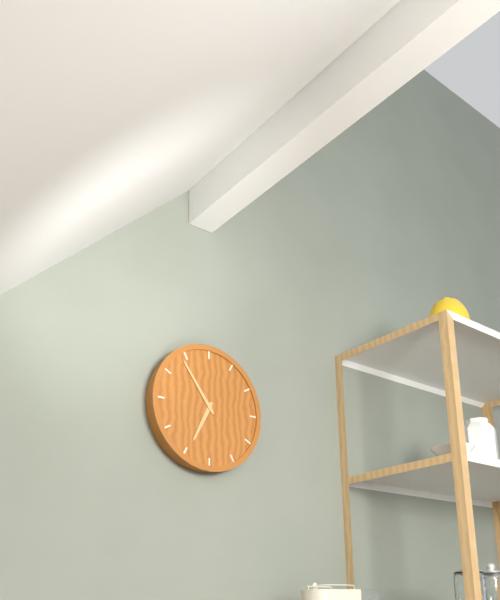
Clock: 6:54
